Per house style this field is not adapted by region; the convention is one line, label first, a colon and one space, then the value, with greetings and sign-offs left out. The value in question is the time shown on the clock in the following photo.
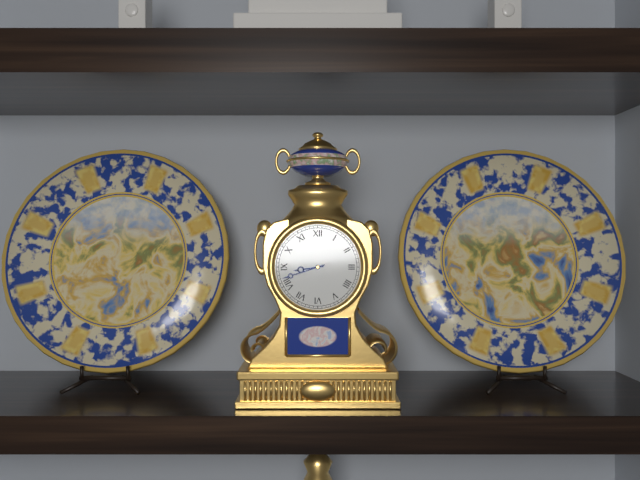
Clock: 8:42
